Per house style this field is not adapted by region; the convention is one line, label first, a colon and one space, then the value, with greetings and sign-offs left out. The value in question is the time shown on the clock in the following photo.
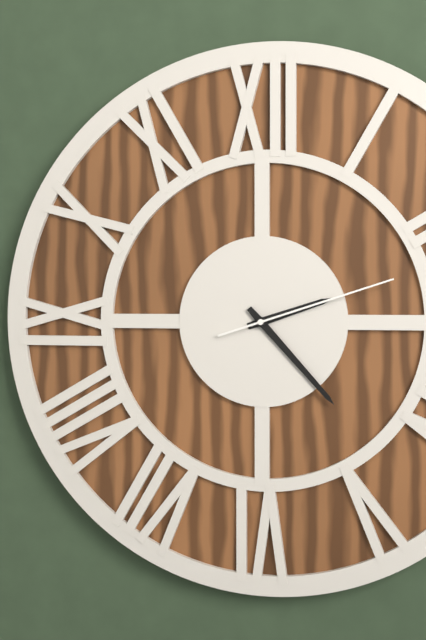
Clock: 2:23:12
